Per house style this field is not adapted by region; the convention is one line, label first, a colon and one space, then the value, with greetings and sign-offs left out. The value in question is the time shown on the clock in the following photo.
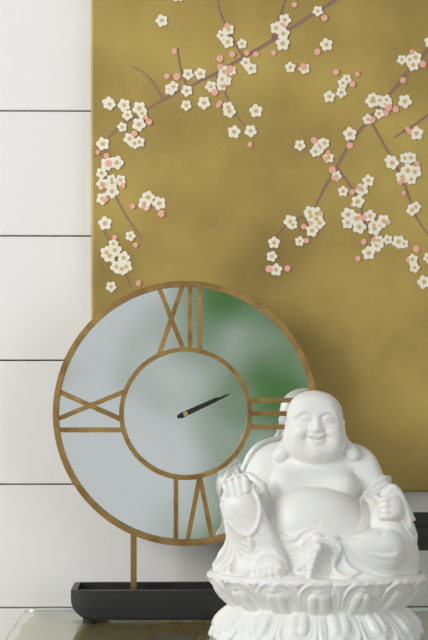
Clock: 2:11
